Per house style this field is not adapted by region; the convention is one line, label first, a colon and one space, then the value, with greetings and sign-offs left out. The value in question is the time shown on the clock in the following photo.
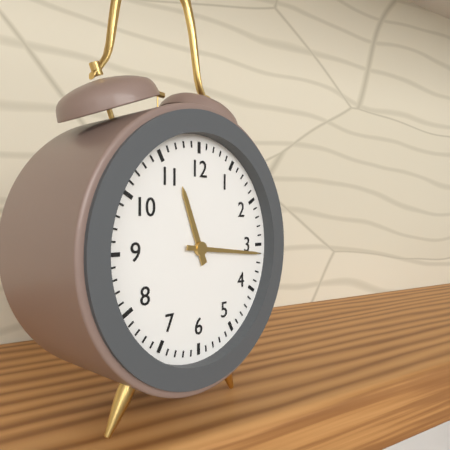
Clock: 11:16
